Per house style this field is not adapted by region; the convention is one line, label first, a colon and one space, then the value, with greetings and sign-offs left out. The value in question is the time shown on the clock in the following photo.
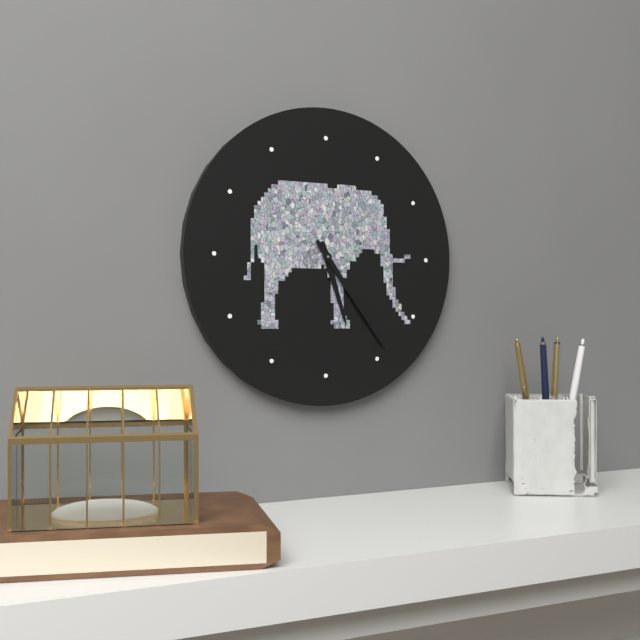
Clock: 5:24
